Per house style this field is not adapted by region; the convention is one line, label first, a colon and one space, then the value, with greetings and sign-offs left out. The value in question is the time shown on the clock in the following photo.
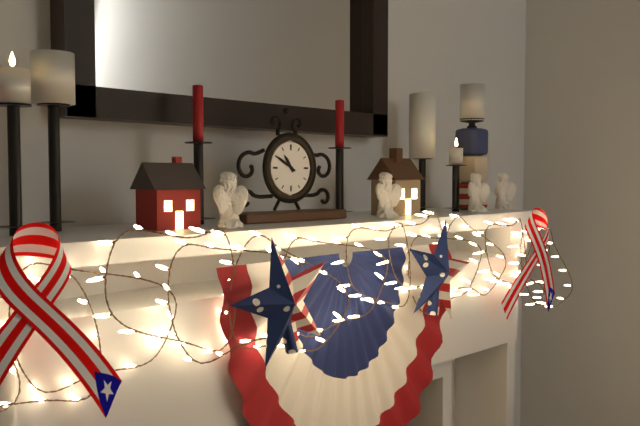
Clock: 10:50
